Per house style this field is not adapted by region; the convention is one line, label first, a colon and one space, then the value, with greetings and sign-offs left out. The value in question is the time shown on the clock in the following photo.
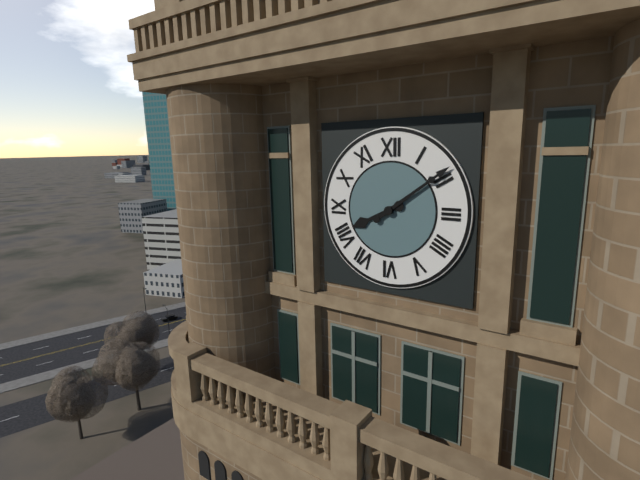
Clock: 8:09
